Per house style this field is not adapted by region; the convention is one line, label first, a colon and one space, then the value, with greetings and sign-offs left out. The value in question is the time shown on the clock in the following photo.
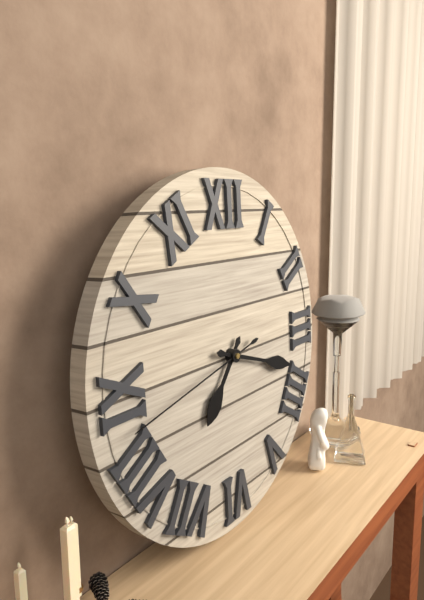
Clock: 7:18:43
